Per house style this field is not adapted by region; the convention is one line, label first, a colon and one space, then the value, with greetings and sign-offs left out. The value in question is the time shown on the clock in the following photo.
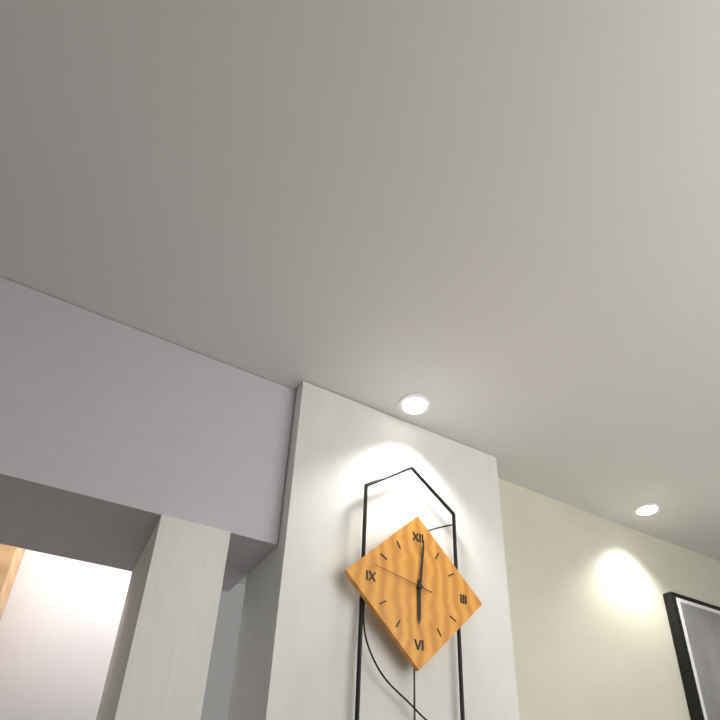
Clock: 6:01:47
